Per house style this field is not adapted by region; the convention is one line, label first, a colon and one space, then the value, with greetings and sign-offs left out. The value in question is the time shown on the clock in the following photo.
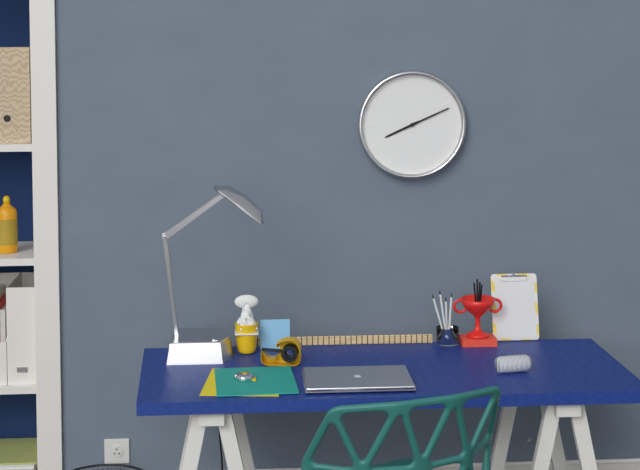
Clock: 8:11
